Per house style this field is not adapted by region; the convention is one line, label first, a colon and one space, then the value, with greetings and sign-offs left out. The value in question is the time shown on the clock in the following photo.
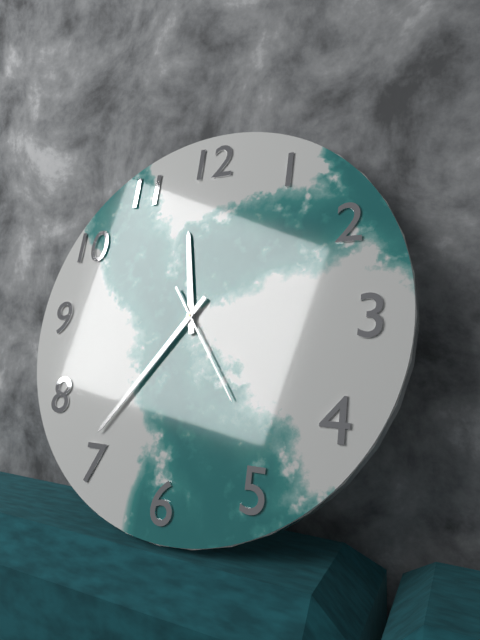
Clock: 11:36:24
